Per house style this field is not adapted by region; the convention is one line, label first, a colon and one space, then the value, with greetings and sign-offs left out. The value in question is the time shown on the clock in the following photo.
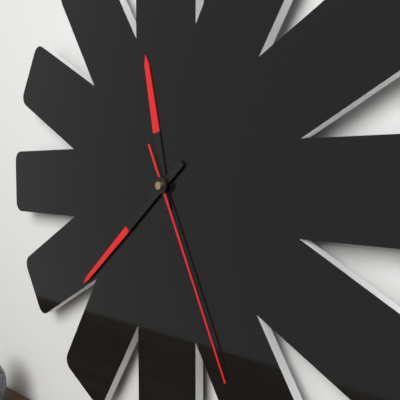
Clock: 11:38:26
